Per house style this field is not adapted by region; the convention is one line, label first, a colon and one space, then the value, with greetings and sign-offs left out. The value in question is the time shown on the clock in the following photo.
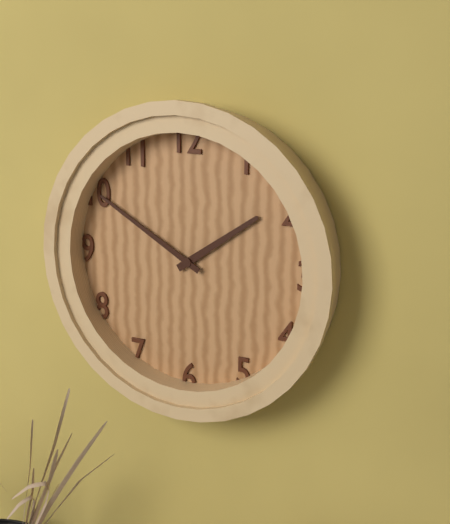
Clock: 1:50
